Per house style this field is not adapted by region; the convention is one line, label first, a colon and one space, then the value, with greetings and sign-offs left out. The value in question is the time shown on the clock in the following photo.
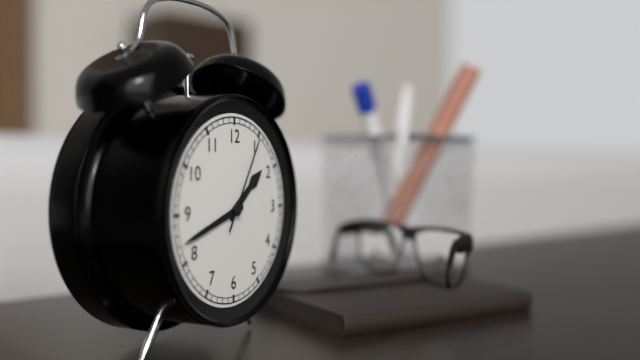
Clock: 1:42:05
